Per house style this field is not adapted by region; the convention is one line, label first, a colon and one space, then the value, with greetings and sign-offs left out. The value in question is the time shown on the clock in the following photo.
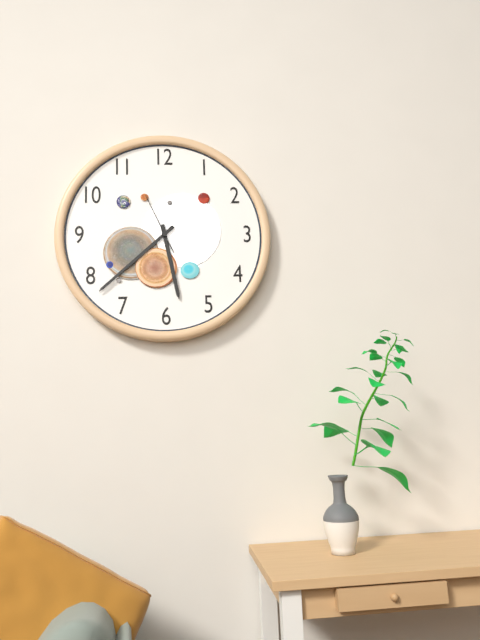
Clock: 5:38:56
